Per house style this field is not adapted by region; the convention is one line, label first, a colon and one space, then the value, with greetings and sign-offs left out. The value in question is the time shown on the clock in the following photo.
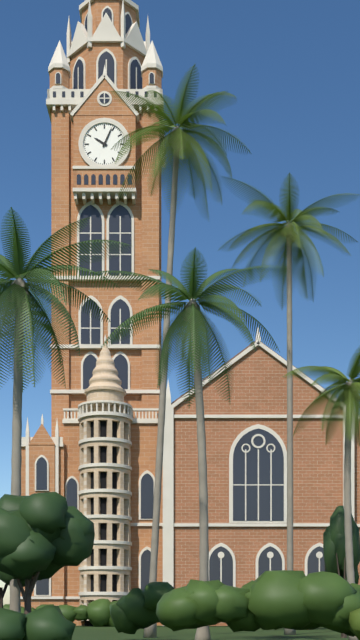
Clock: 10:04
